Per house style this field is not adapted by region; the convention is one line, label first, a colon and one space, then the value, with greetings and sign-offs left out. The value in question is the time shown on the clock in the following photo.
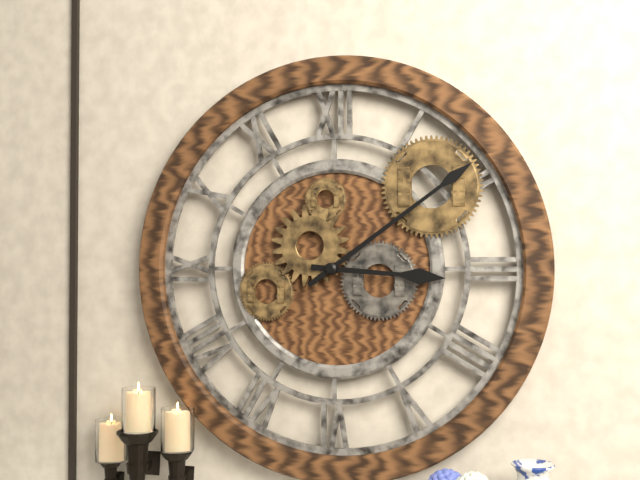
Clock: 3:09
